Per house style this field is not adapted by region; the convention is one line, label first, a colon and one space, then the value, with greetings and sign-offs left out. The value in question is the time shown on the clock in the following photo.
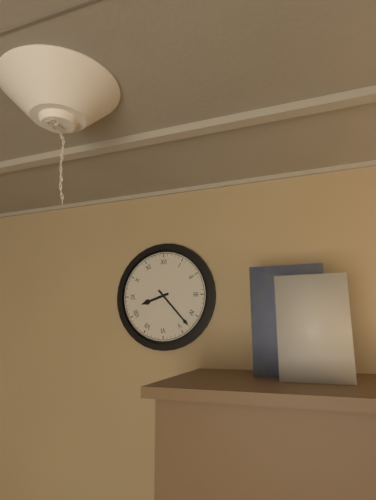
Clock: 8:23
